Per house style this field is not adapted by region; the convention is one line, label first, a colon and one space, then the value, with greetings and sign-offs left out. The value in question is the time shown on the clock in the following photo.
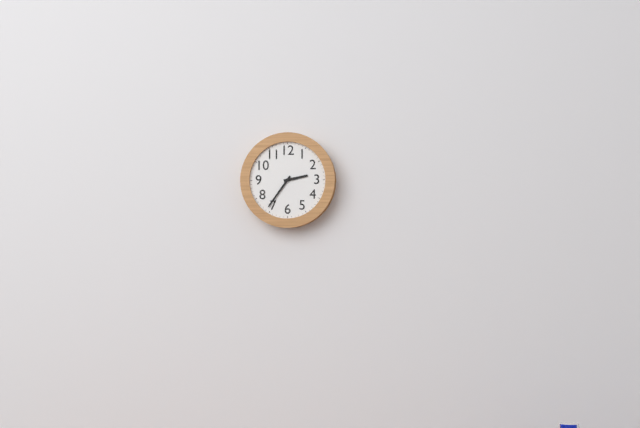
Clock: 2:36
